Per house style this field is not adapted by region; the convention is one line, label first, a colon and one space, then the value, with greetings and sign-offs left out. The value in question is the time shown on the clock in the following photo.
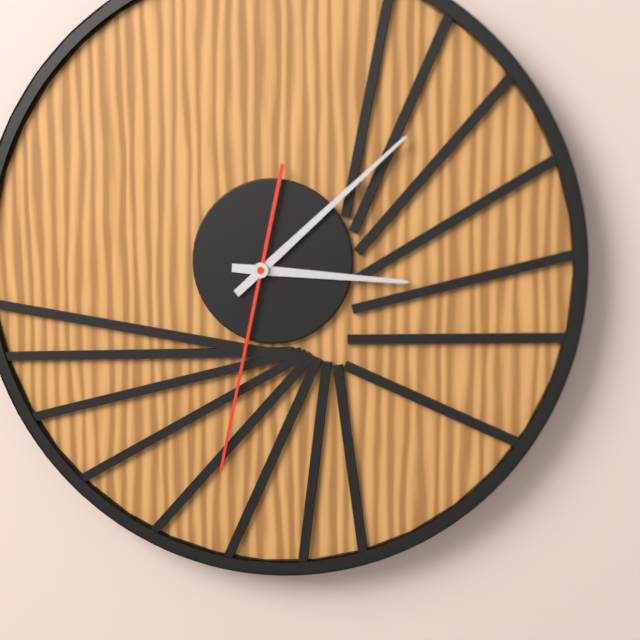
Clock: 3:08:32
